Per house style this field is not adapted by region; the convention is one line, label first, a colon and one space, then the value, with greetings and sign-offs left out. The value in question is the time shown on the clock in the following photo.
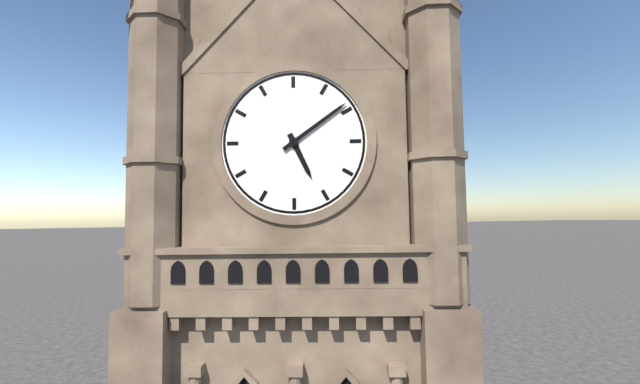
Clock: 5:09
